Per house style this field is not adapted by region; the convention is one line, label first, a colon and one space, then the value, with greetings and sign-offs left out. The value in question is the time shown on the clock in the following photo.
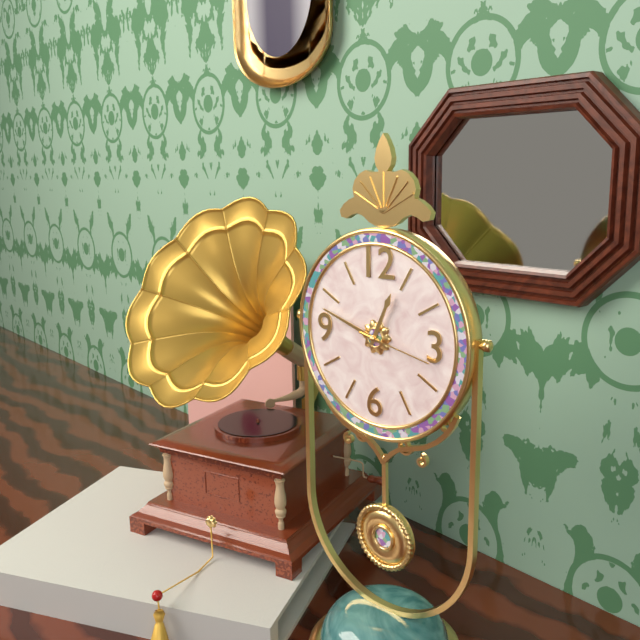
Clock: 12:48:17
